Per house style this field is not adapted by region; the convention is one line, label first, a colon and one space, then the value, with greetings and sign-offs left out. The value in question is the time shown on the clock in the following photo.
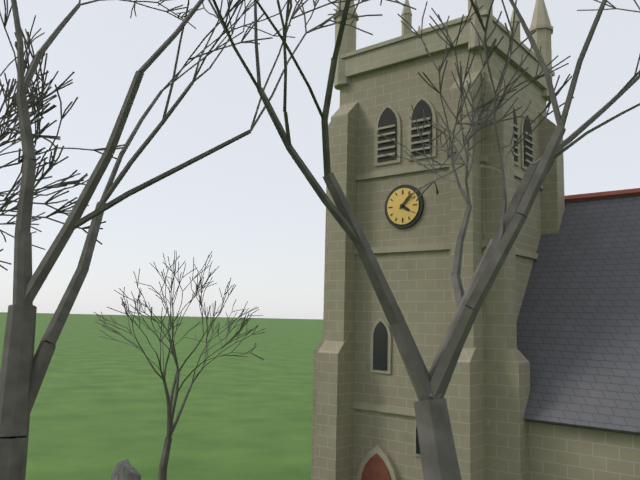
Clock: 4:07
